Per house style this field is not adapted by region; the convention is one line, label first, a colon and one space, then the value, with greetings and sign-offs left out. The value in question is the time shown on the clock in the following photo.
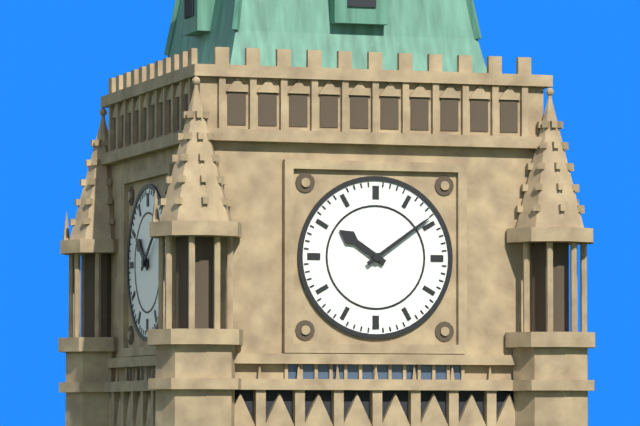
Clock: 10:09
